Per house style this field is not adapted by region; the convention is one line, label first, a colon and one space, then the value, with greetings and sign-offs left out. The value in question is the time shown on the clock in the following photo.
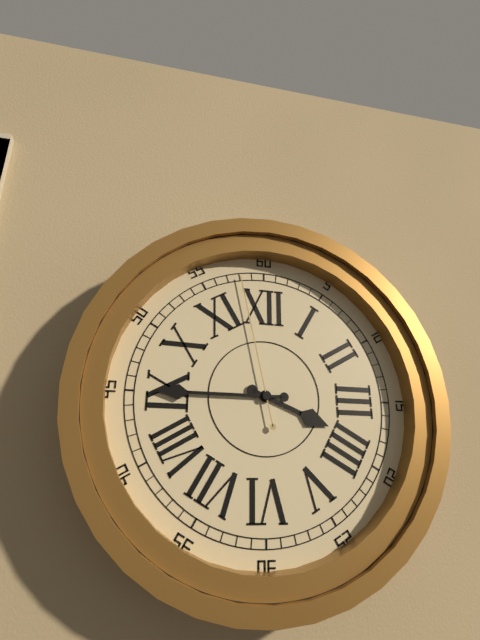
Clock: 3:45:58
